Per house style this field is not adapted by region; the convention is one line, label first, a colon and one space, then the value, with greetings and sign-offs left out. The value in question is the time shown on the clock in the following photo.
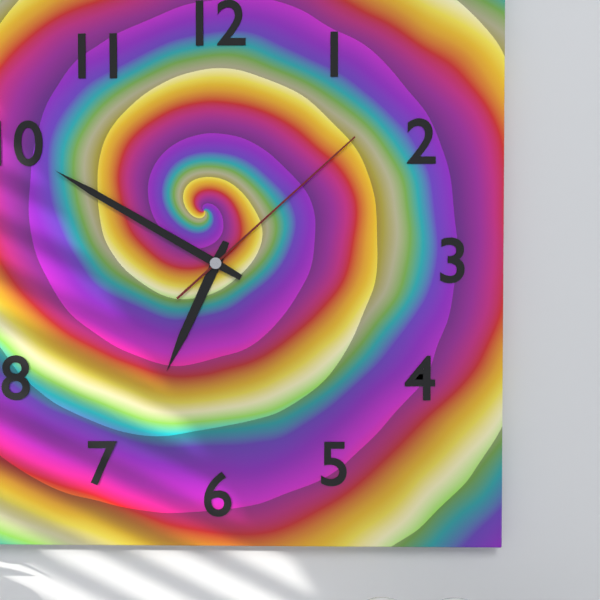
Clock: 6:50:08
